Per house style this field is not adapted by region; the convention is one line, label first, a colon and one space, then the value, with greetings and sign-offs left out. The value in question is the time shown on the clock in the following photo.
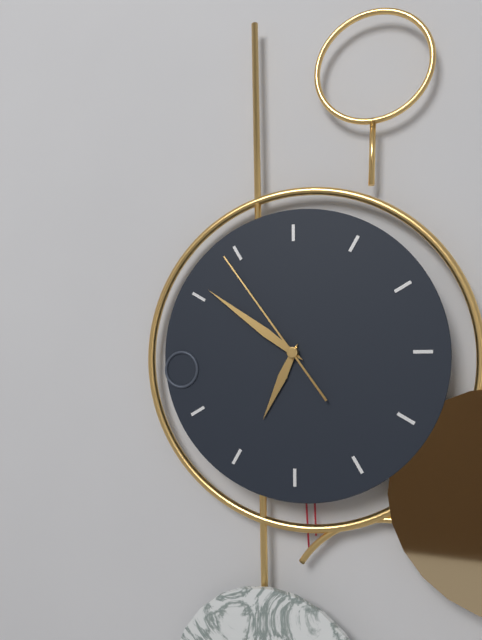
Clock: 6:51:54
